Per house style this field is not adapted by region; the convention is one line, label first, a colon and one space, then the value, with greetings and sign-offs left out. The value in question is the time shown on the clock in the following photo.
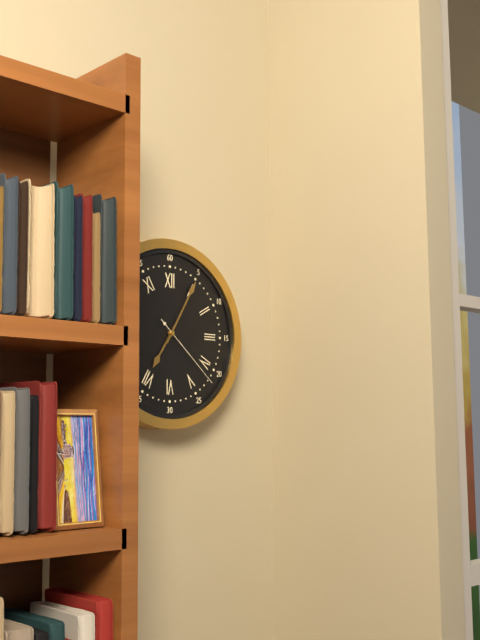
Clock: 7:05:22
